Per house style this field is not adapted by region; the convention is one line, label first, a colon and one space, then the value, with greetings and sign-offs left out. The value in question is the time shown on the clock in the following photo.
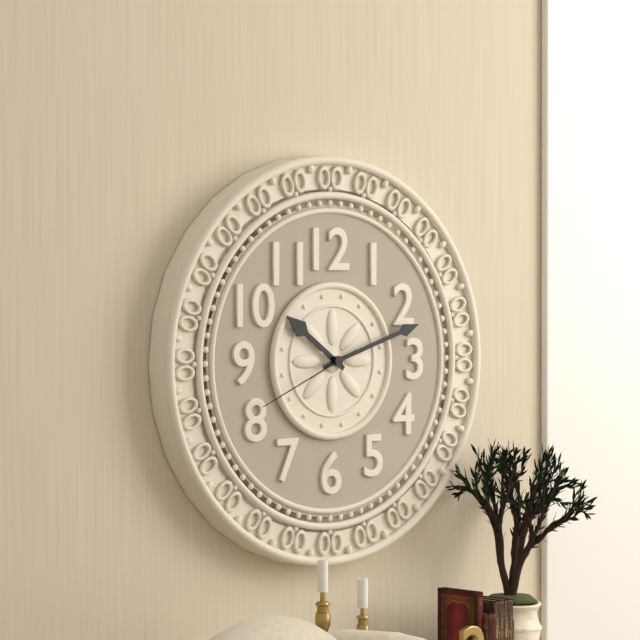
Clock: 10:12:41
